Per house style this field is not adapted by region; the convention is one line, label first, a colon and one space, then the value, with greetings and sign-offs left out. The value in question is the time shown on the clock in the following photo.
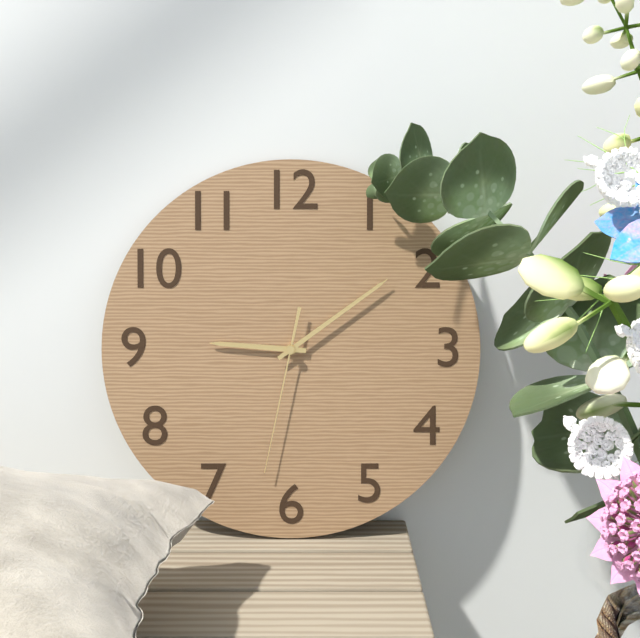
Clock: 9:09:32
